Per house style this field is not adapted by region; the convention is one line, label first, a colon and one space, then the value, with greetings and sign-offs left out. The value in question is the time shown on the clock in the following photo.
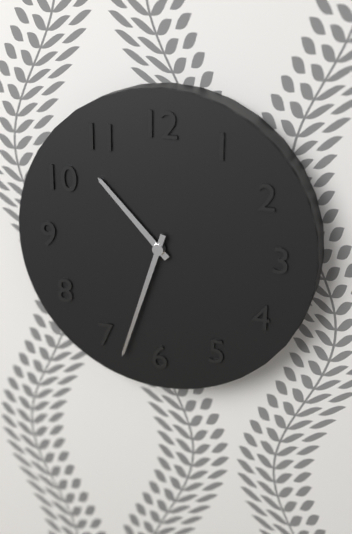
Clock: 10:33
